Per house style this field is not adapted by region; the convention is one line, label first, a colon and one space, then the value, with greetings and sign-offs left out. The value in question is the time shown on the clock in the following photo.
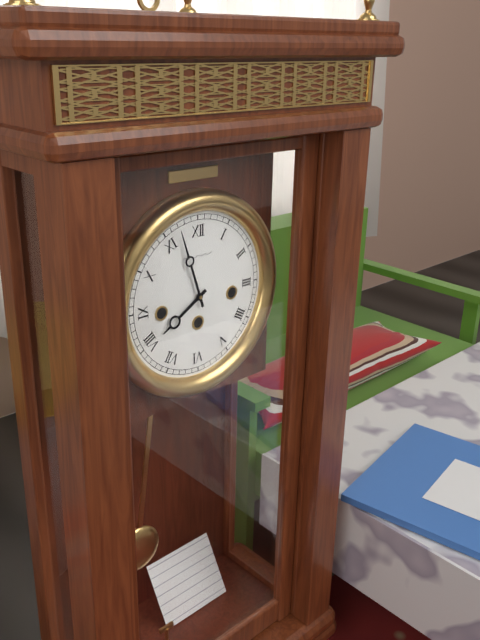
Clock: 7:57
